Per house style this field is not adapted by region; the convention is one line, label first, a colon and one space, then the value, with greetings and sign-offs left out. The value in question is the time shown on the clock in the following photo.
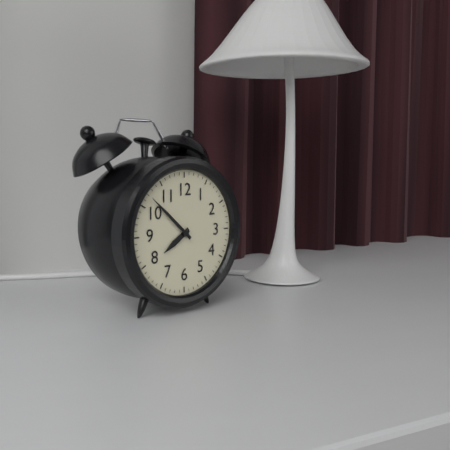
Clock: 7:52
